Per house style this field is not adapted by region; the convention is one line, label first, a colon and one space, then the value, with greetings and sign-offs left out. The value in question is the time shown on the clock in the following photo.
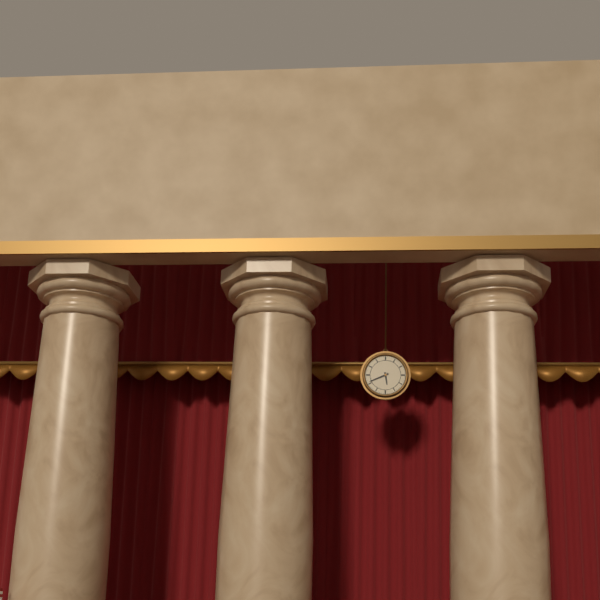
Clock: 5:41
